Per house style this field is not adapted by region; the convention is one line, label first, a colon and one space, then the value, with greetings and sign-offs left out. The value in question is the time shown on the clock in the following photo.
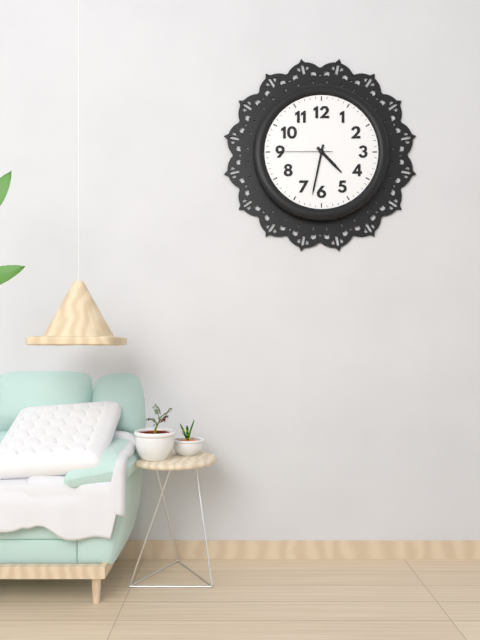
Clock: 4:32:45
